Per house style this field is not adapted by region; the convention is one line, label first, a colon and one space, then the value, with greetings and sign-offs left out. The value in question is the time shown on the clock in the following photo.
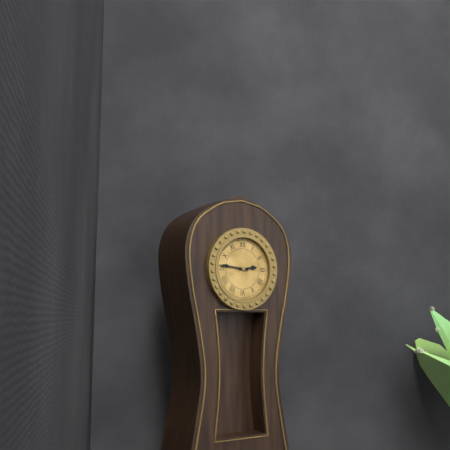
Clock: 2:46
